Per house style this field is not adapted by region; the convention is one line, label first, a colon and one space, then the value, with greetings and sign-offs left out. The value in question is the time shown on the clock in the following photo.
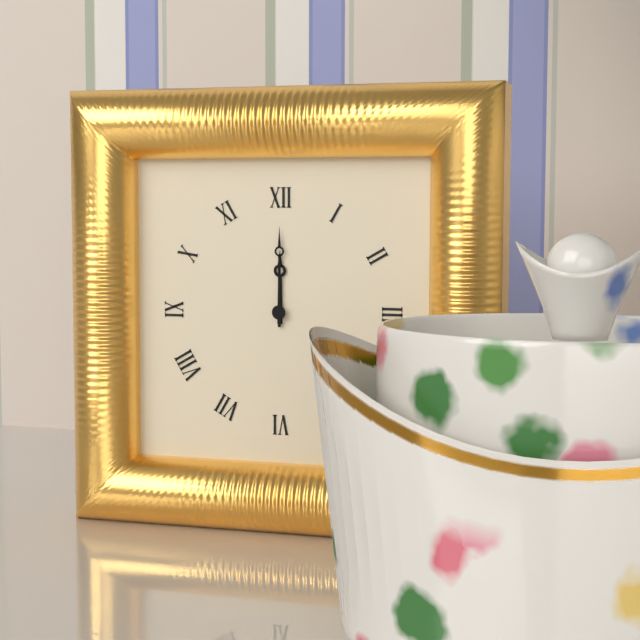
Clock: 12:00
